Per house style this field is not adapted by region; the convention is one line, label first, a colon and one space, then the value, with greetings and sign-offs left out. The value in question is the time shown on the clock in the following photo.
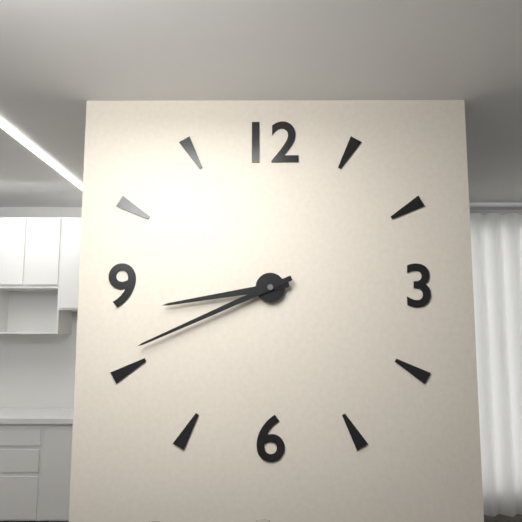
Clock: 8:41
